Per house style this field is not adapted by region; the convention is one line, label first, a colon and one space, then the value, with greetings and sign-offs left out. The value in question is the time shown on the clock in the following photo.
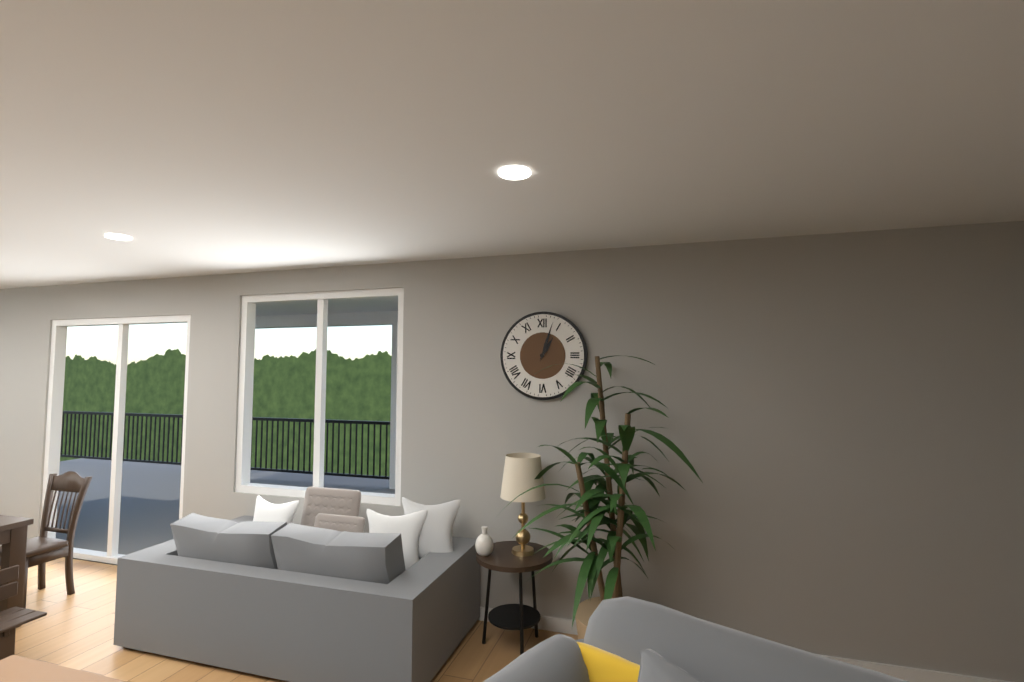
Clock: 1:03
